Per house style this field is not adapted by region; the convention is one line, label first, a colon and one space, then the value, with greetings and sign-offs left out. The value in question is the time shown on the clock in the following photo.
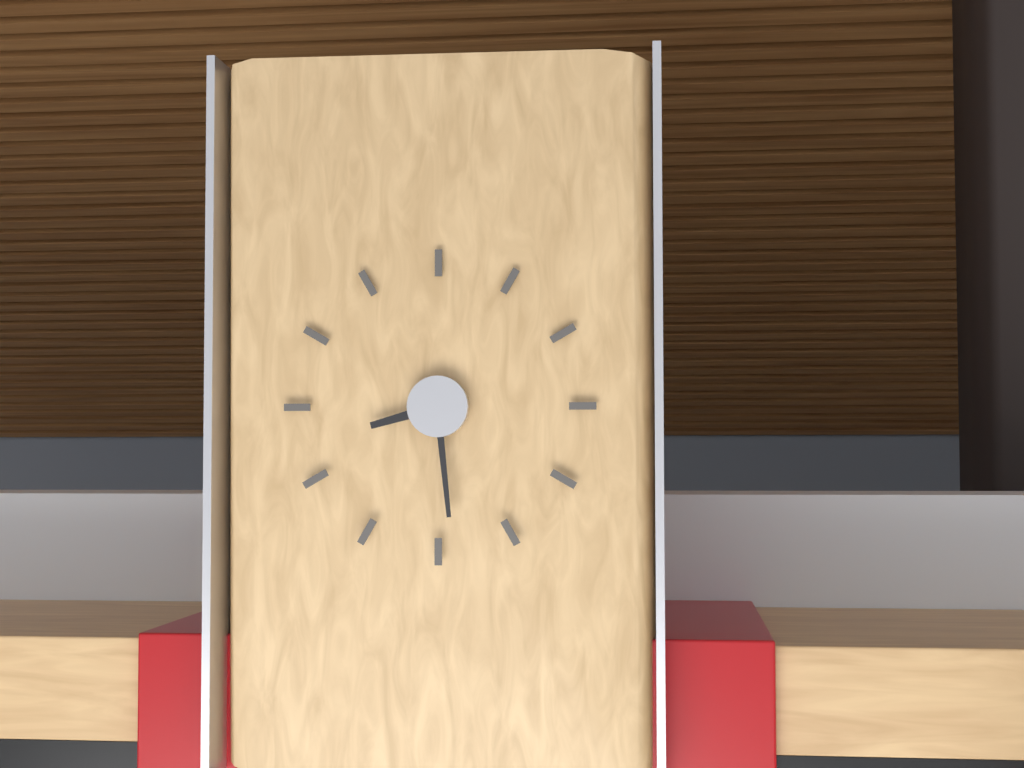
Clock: 8:29
